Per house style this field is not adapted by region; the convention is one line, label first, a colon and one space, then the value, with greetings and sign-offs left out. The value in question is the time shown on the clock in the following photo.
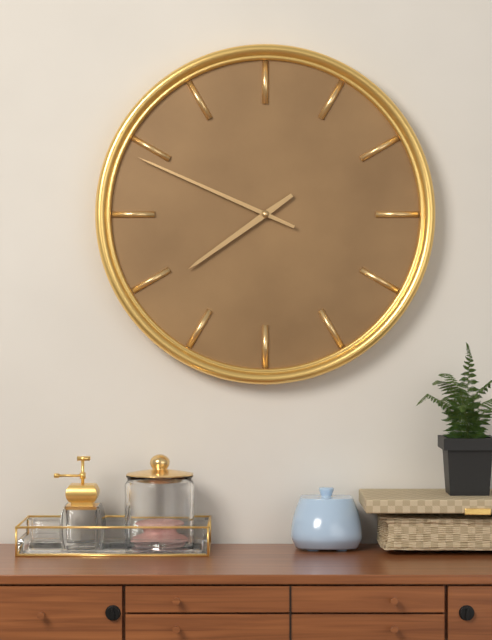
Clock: 7:49
